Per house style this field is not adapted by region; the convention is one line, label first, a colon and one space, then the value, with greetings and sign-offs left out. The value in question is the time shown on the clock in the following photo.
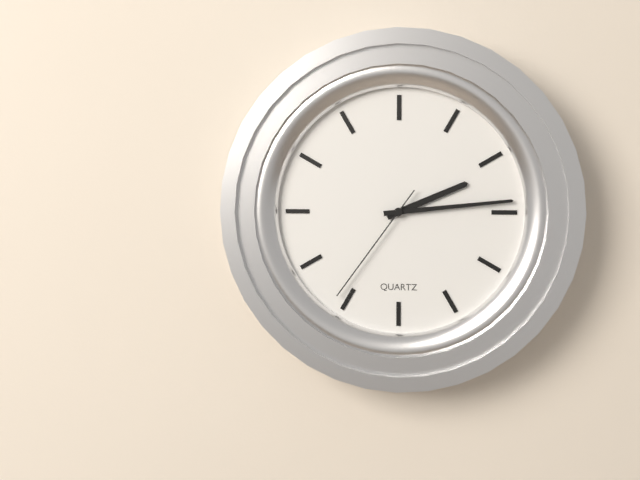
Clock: 2:14:36
